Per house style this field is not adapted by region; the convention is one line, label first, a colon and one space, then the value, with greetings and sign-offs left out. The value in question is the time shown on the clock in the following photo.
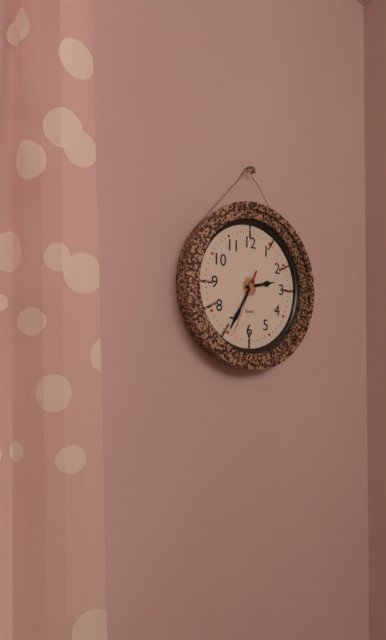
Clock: 2:35:34
